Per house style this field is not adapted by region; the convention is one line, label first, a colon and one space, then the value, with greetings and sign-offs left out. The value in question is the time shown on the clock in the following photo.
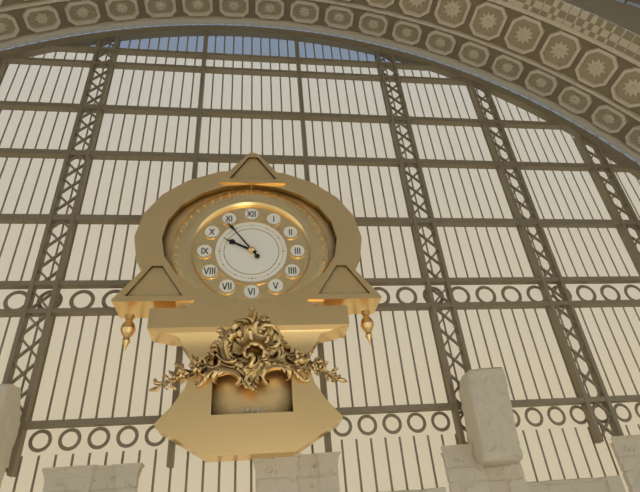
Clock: 9:54
